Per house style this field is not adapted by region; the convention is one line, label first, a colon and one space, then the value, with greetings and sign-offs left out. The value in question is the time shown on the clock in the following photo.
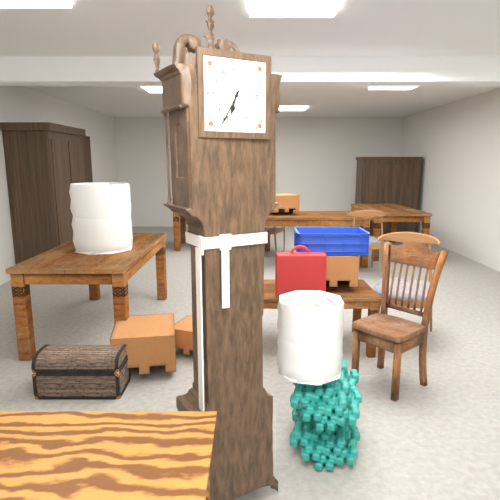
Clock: 6:35
